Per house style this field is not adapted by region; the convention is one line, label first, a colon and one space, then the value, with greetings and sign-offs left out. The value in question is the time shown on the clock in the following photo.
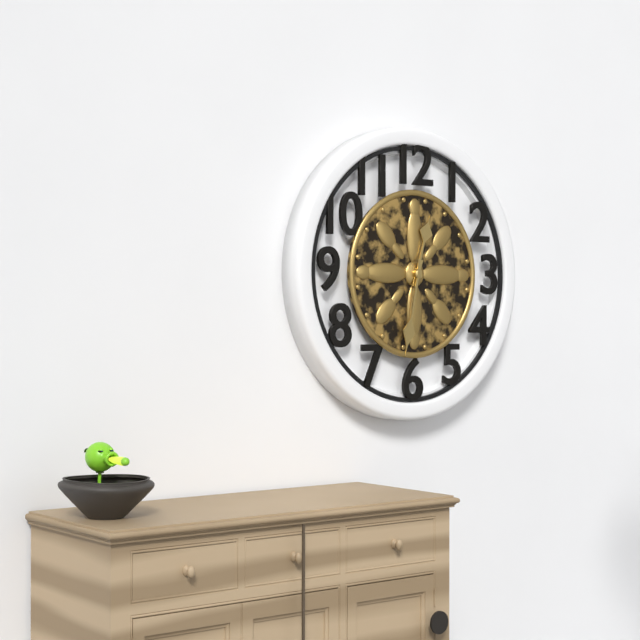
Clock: 12:32
